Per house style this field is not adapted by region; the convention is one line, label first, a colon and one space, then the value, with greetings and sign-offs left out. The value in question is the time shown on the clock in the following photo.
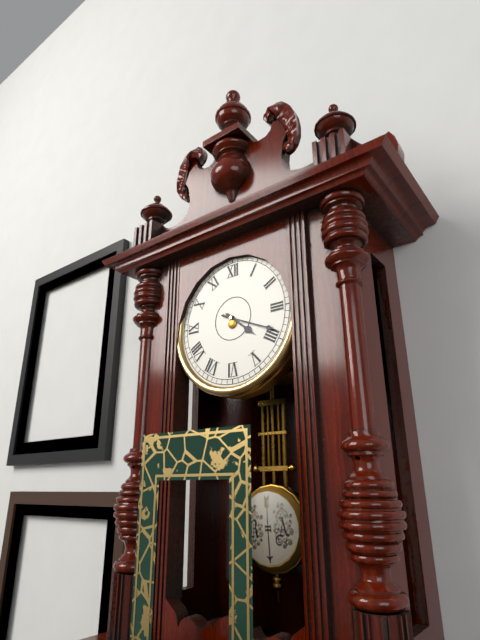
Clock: 4:19
